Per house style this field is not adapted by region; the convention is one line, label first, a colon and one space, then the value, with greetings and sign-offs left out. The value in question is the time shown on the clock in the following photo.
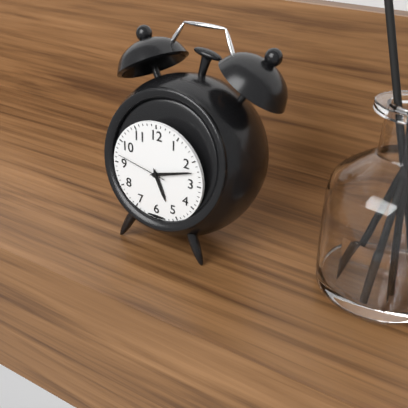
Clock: 5:12:47
